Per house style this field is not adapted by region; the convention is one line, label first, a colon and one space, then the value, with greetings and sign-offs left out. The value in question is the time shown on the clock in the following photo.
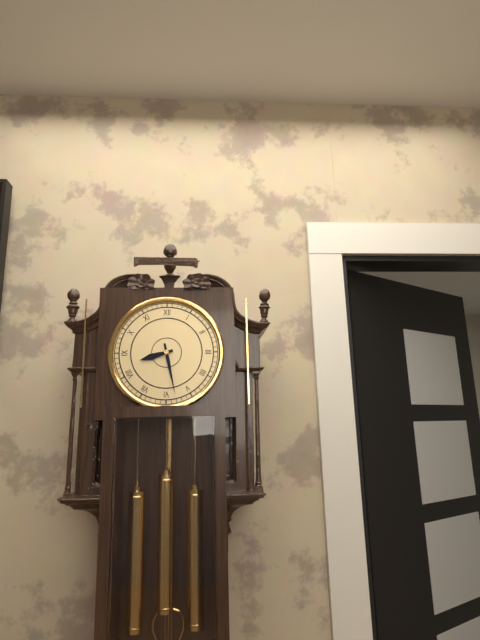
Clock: 8:28
